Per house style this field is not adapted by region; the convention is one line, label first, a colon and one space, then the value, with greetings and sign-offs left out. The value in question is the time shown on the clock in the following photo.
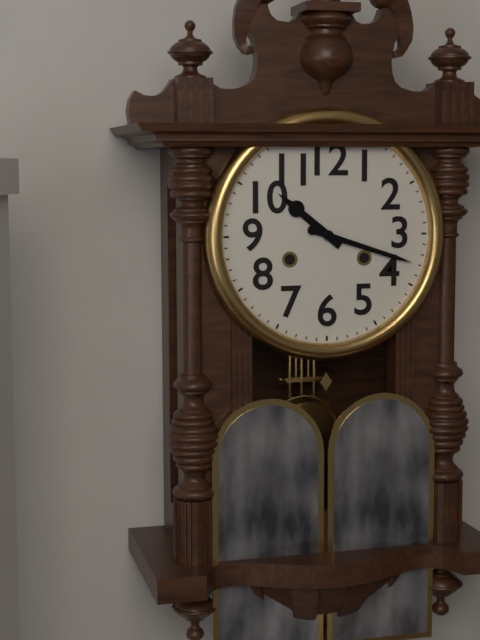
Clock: 10:18
